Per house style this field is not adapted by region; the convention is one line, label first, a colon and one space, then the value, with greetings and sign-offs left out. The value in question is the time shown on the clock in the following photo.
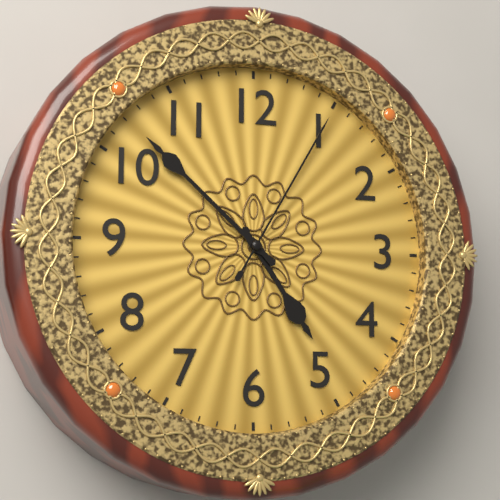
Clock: 4:52:05
